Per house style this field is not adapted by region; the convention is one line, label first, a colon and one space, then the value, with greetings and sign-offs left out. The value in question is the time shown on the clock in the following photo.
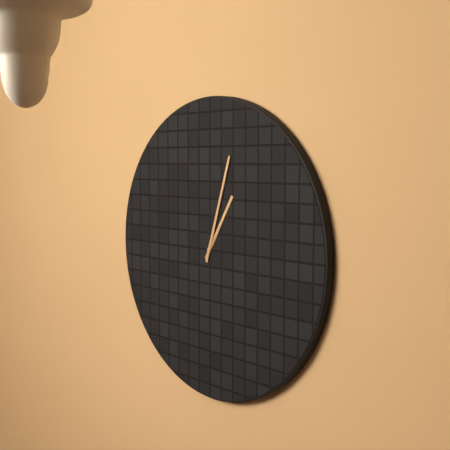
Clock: 1:03
